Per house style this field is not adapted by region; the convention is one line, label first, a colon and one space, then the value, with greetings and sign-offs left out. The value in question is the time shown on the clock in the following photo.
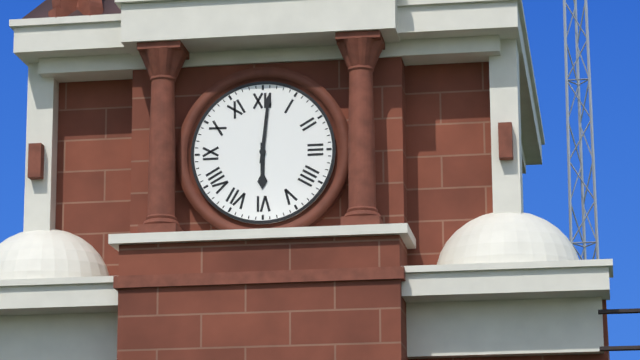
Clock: 6:01
